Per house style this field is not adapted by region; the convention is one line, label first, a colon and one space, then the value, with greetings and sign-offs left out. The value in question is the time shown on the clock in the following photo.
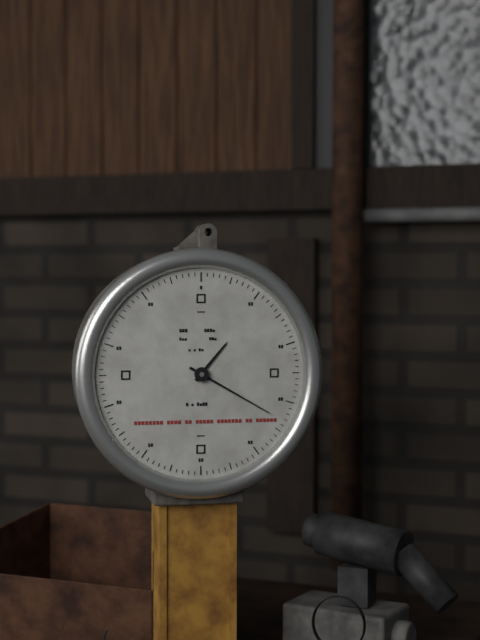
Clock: 1:20
